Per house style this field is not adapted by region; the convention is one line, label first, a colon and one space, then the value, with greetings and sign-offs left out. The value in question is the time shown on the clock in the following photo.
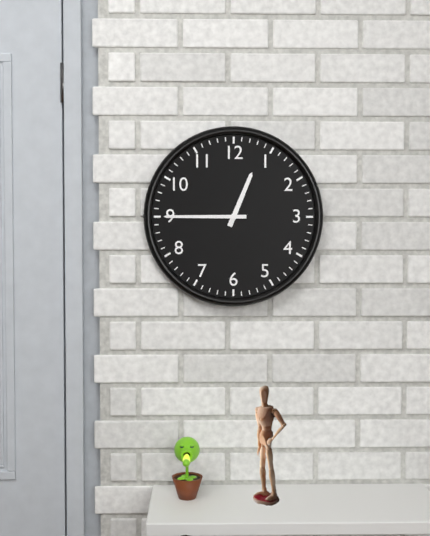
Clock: 12:45
